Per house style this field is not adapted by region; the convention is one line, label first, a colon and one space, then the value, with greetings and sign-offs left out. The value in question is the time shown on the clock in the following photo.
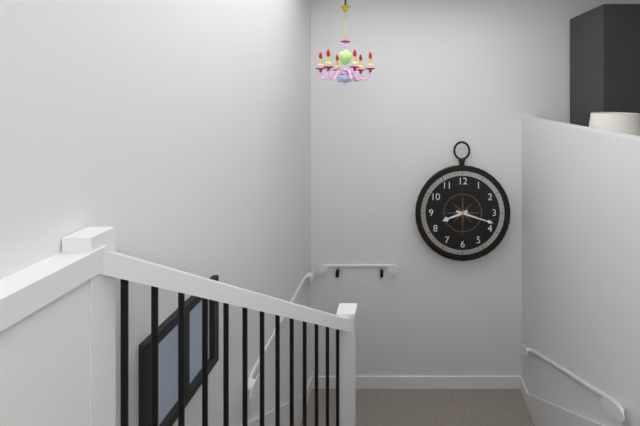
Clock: 8:18
